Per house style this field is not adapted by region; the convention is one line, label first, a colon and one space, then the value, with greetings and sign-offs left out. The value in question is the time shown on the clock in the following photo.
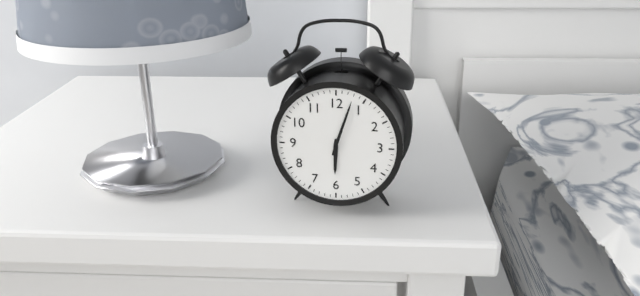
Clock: 6:03
